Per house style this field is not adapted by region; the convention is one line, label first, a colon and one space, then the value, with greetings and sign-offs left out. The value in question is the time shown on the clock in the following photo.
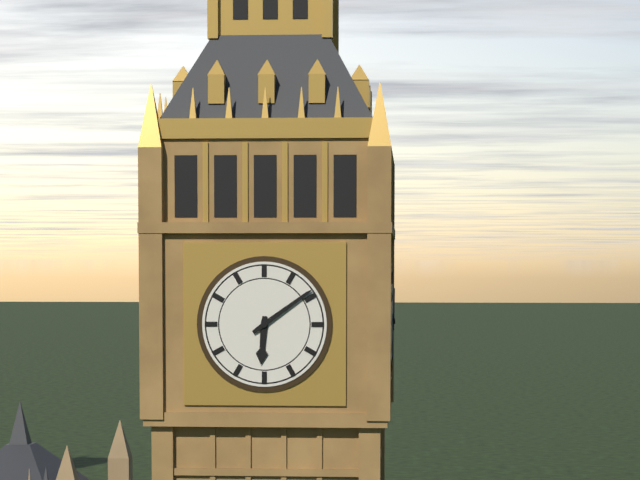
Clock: 6:09
